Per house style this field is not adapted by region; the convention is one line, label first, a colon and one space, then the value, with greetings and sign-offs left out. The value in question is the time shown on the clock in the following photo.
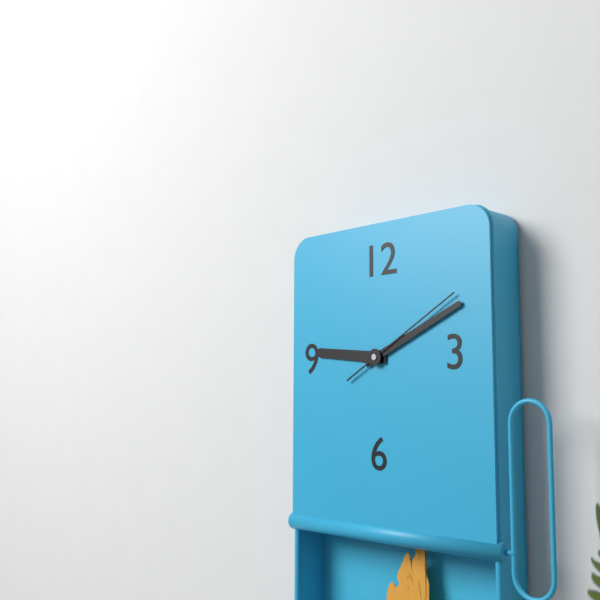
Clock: 9:11:10
